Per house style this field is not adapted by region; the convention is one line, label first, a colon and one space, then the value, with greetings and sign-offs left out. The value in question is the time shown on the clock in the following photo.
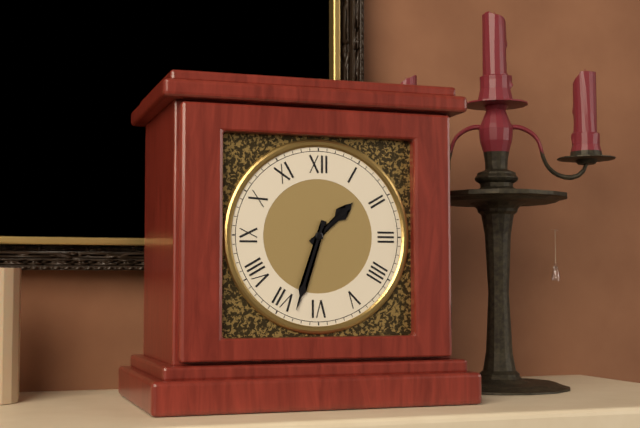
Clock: 1:33
